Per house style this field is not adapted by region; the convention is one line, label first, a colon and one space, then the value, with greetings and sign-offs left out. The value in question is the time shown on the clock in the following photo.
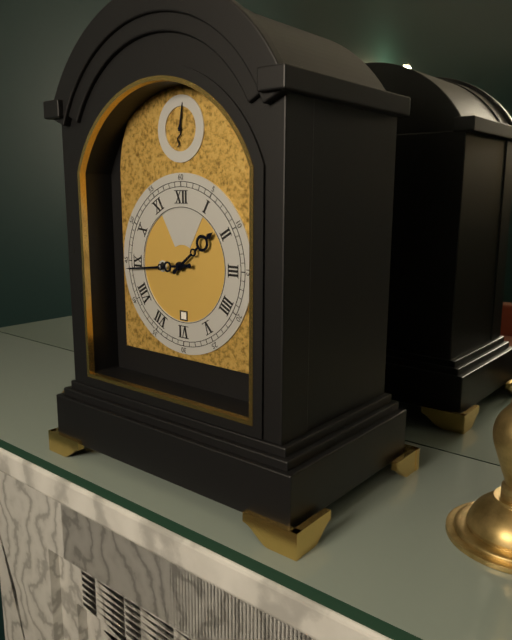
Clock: 1:44
